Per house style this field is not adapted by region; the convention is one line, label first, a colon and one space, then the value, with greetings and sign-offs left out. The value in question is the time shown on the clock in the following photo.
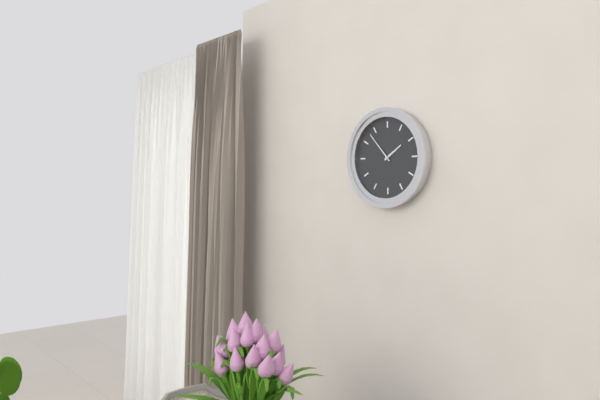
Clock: 1:53
